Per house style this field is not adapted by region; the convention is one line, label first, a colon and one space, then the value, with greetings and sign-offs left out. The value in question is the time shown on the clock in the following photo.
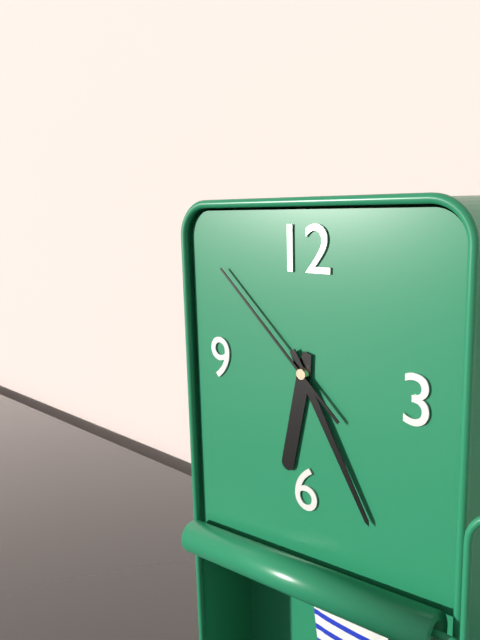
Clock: 6:25:52
